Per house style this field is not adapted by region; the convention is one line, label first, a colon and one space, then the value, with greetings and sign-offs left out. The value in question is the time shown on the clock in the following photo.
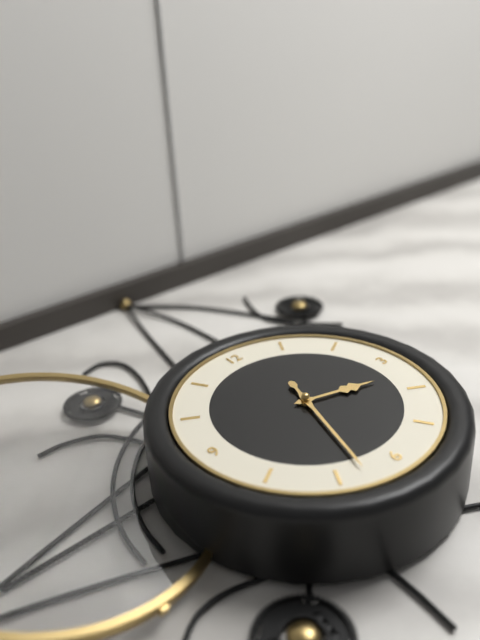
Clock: 3:33
